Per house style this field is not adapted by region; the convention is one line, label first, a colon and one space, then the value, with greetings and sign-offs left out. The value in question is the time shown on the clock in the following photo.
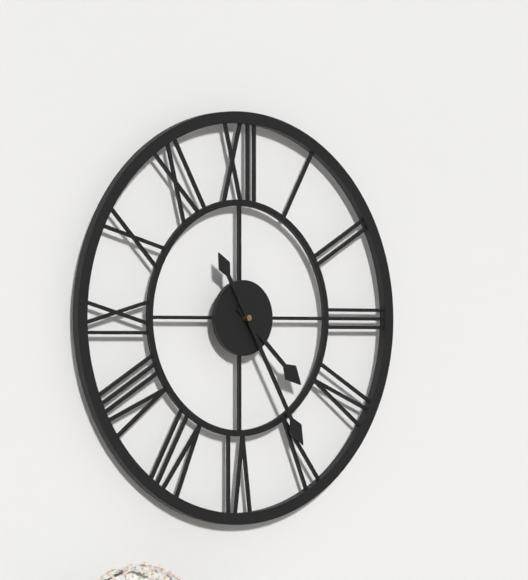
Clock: 4:25
